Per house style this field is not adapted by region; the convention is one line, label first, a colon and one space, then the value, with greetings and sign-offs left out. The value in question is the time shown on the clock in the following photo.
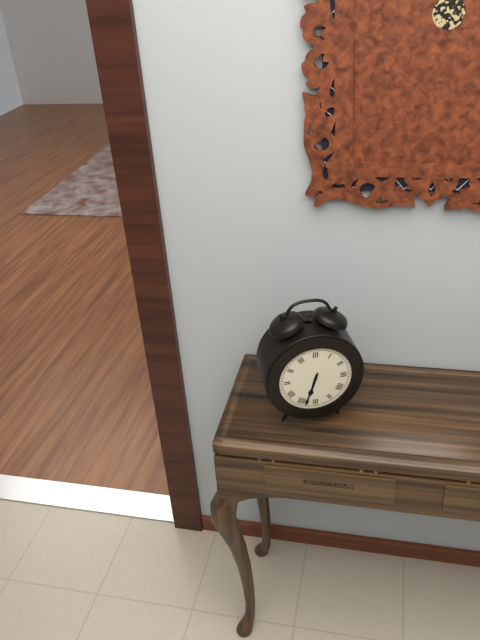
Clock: 6:33
